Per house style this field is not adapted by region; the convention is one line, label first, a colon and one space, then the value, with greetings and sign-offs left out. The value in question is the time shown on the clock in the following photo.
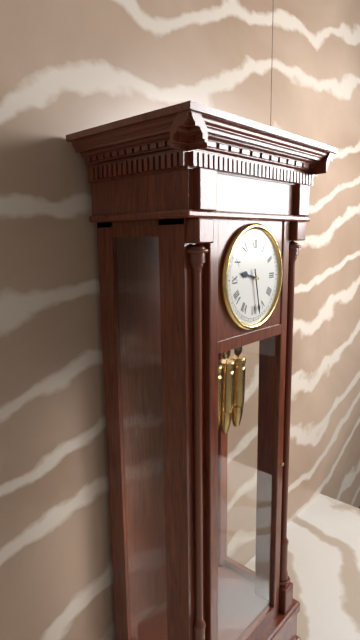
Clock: 9:28
